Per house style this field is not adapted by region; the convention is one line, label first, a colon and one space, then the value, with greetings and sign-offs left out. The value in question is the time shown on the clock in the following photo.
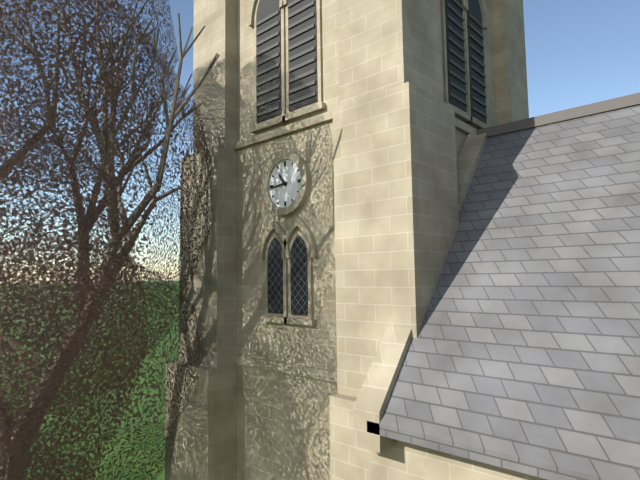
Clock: 10:44
